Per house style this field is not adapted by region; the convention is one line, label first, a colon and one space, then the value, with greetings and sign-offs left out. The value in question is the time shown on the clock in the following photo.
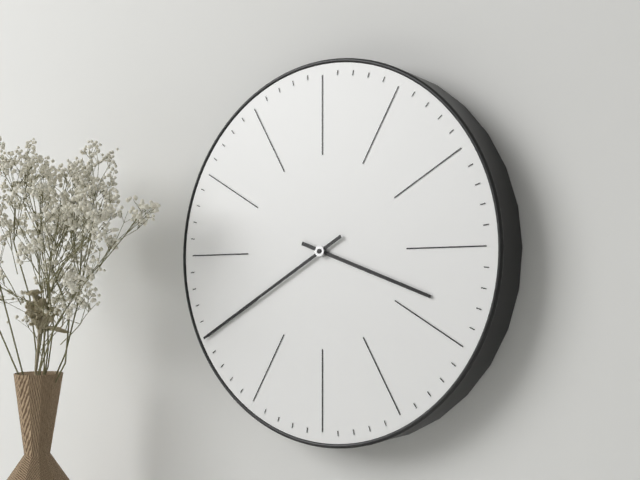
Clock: 3:40
